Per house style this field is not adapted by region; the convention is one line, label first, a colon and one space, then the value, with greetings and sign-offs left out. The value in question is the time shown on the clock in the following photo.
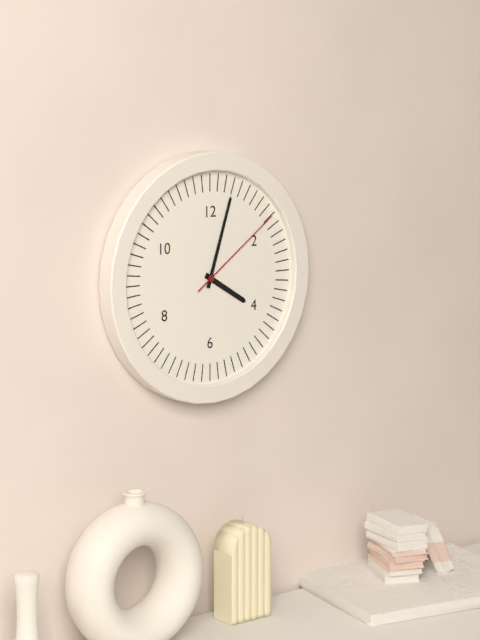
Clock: 4:03:09
